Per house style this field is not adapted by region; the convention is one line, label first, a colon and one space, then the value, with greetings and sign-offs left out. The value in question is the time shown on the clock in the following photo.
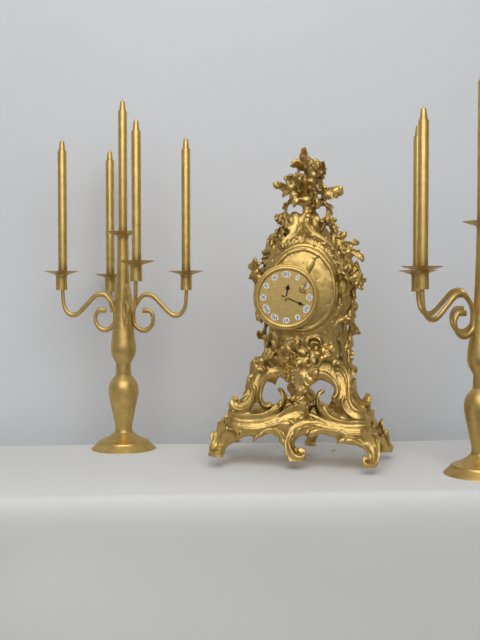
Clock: 12:19
